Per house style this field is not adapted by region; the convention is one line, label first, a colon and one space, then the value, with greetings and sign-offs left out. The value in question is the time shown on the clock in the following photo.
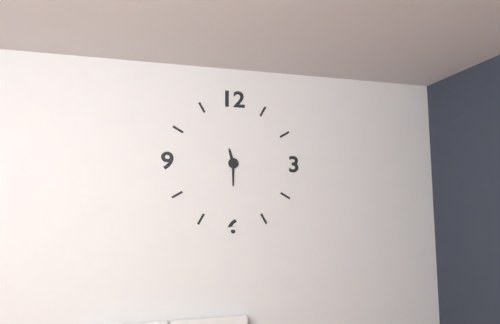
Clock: 11:30
